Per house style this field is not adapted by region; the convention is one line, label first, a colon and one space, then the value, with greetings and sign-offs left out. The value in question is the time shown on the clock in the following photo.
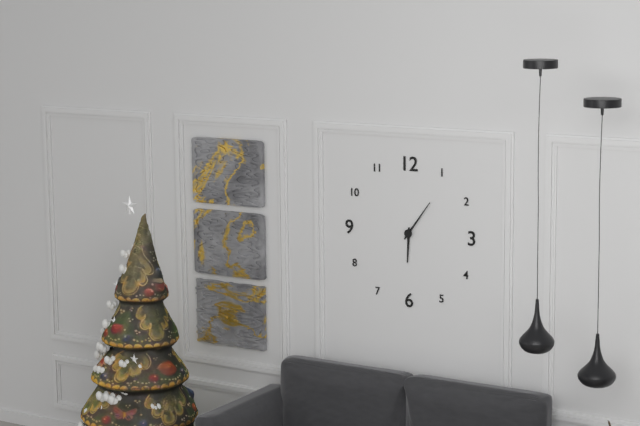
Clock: 6:06
